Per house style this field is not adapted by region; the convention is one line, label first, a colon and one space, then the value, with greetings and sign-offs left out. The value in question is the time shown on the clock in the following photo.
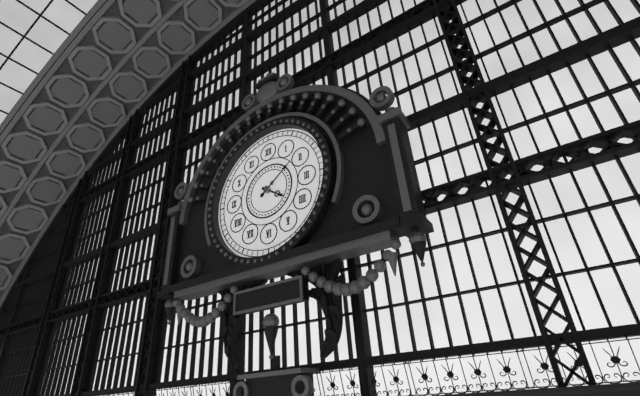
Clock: 4:09
